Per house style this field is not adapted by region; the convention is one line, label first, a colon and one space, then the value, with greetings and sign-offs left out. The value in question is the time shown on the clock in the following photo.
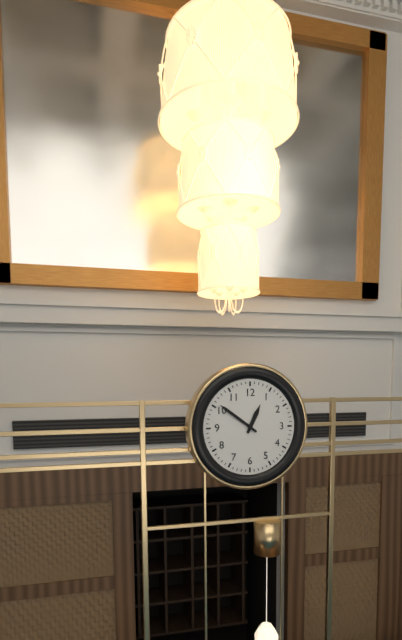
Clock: 12:51
